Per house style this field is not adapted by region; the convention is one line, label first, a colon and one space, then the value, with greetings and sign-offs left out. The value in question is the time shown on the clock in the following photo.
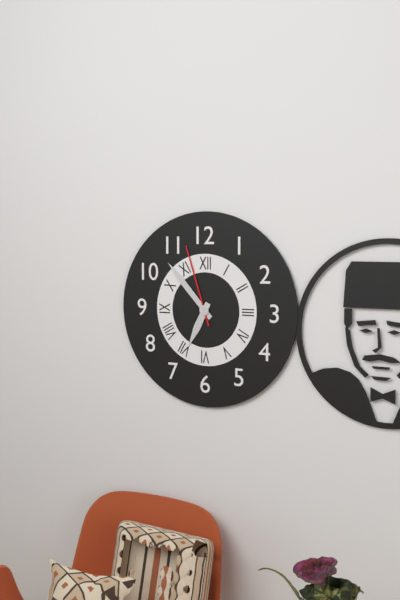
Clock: 6:53:57
